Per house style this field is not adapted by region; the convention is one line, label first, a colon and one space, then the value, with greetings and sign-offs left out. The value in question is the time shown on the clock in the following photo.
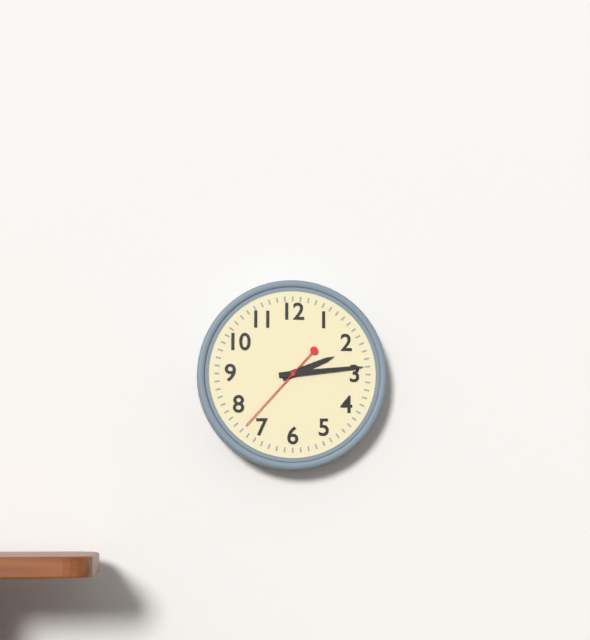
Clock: 2:14:37
